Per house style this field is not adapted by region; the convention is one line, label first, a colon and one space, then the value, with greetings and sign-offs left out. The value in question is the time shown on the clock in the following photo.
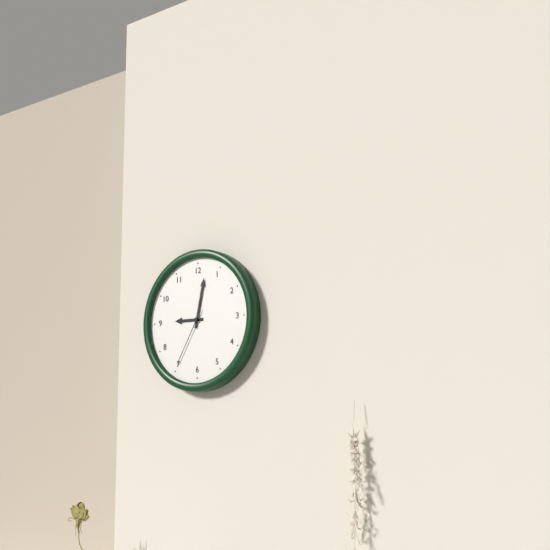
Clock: 9:02:35
